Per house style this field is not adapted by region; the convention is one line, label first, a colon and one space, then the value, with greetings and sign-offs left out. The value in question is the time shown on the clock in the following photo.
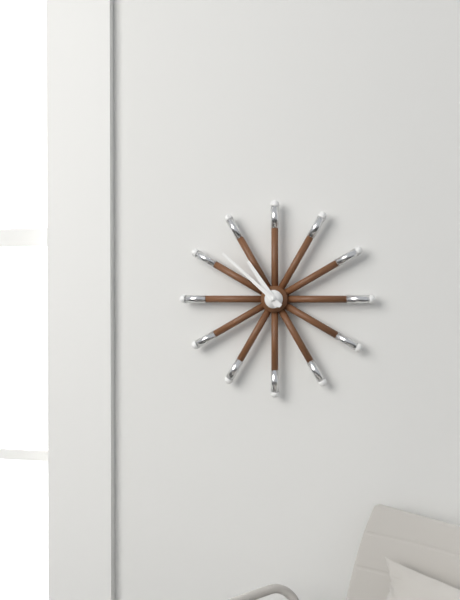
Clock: 10:52
